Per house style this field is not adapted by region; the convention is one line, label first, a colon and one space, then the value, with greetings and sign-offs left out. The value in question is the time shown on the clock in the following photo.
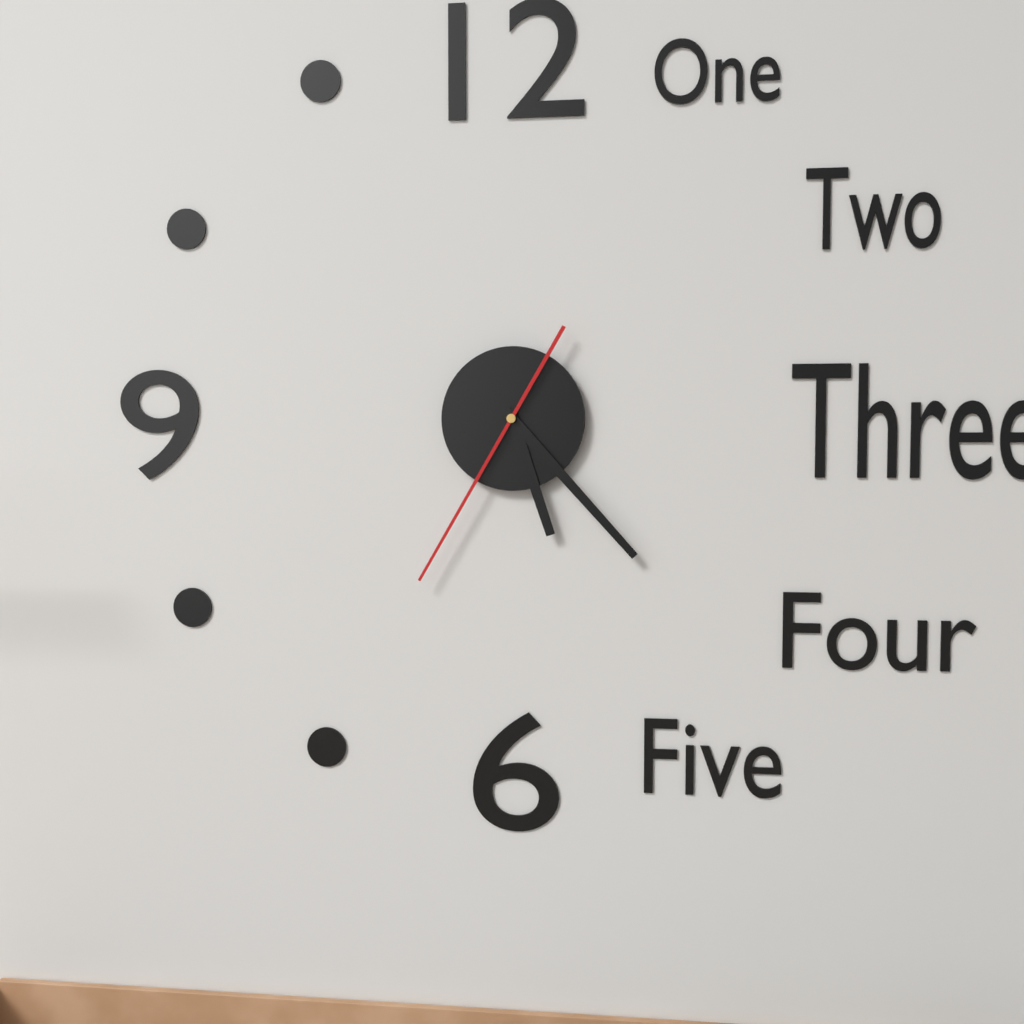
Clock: 5:23:35
